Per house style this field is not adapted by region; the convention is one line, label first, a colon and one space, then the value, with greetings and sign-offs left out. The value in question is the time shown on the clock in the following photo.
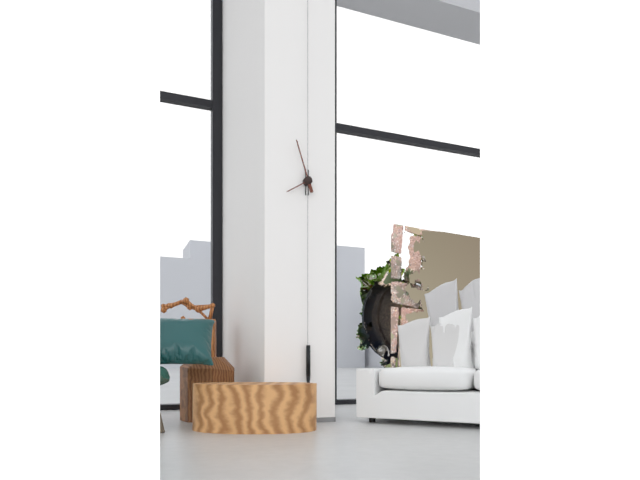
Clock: 7:57
